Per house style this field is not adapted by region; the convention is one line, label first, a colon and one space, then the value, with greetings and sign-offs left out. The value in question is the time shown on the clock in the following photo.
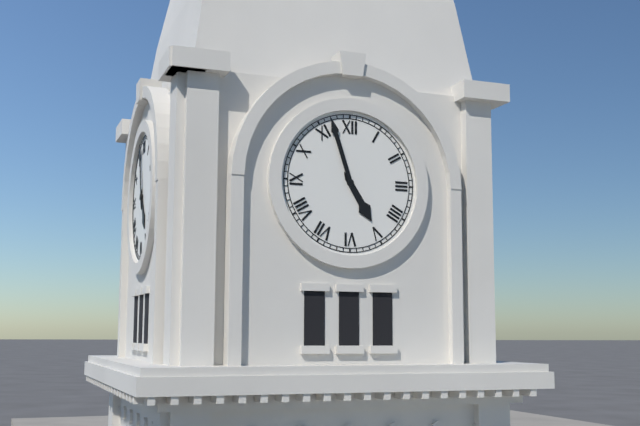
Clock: 4:57
